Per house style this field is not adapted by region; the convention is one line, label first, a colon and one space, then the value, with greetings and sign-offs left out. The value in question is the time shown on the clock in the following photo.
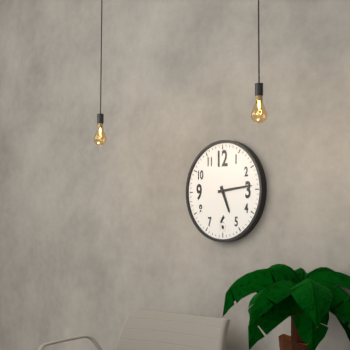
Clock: 5:14
